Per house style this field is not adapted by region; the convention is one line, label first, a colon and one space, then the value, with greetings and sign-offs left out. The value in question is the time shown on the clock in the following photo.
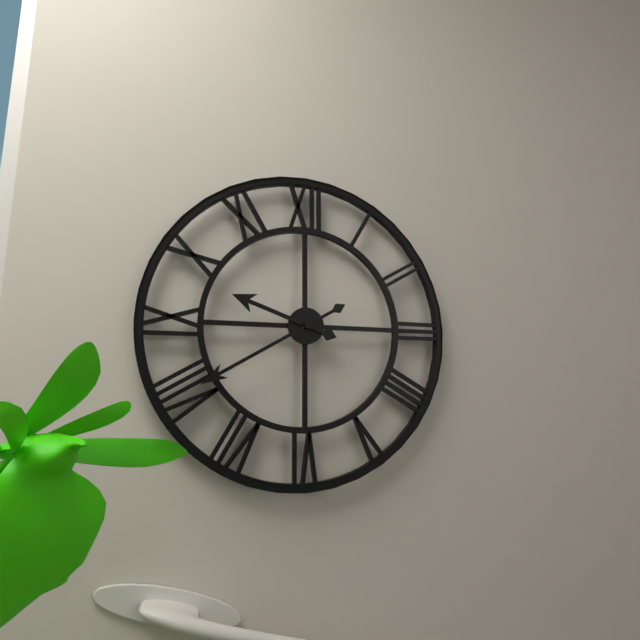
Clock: 9:40
